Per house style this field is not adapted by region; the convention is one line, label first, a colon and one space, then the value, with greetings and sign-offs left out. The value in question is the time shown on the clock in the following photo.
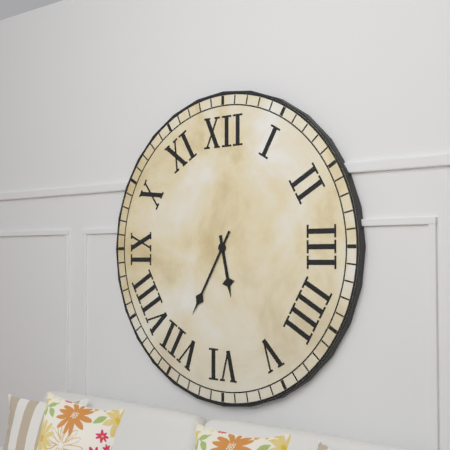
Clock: 5:35
